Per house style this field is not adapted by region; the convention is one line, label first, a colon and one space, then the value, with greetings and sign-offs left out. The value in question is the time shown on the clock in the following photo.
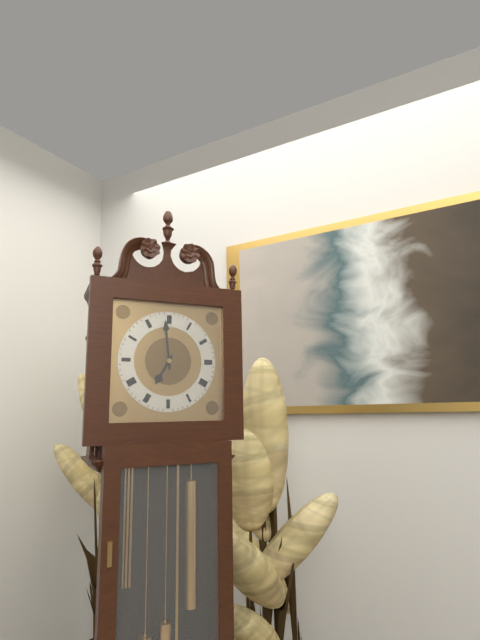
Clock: 6:59
